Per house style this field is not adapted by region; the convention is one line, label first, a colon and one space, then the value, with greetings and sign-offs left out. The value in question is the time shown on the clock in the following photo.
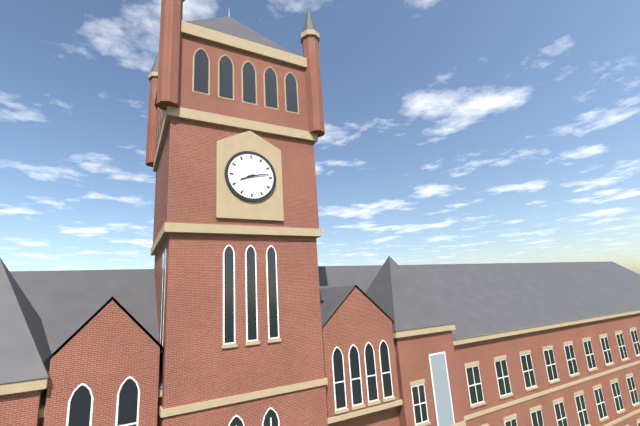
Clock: 8:13
